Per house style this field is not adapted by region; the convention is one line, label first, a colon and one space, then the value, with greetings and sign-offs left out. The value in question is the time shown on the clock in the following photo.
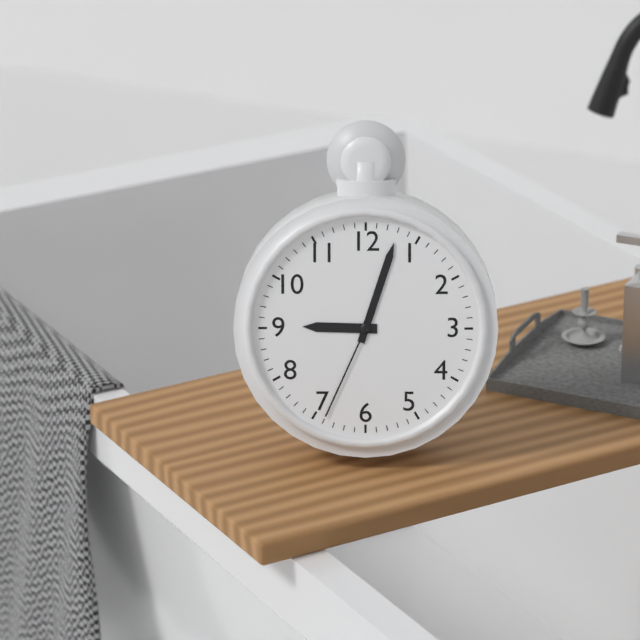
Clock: 9:03:34
